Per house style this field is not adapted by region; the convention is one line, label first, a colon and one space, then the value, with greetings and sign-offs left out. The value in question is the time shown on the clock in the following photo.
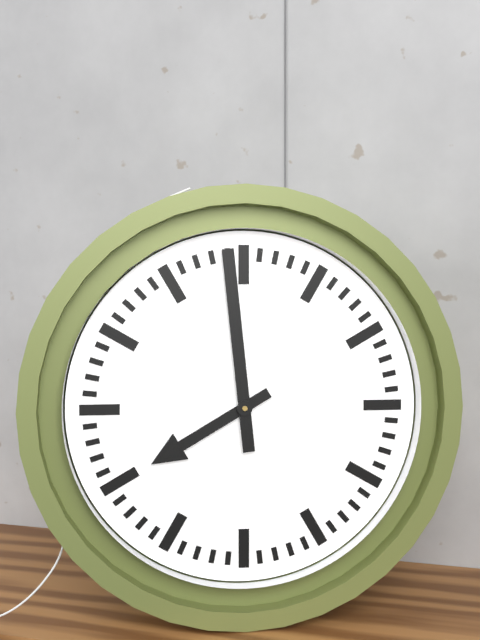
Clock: 7:59
